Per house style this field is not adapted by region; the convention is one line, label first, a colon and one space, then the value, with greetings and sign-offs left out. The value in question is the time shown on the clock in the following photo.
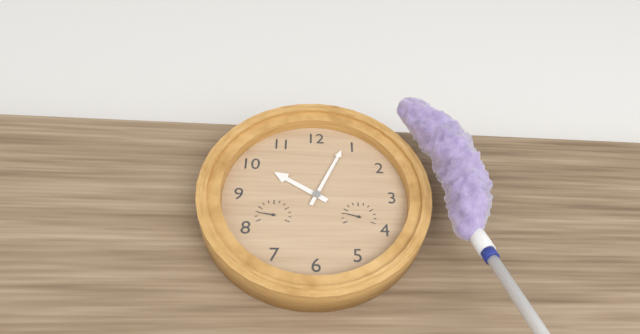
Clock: 10:04
